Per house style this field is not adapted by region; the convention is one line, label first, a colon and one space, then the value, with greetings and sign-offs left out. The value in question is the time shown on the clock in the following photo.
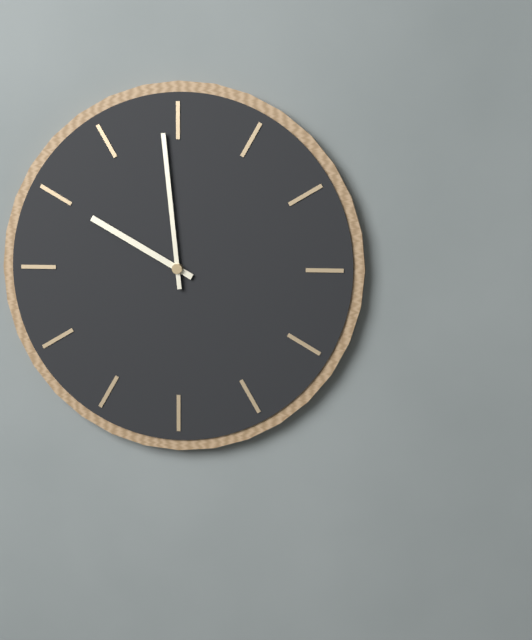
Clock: 9:59
